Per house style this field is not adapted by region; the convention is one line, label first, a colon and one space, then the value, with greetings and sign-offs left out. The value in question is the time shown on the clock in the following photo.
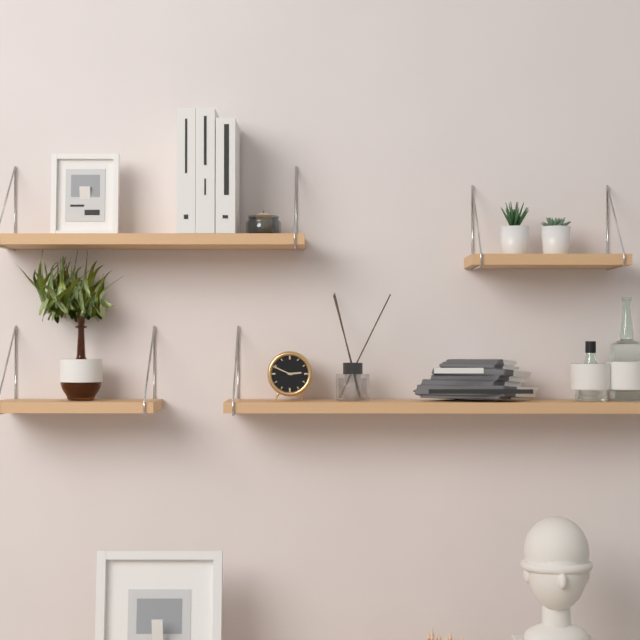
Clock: 2:49
